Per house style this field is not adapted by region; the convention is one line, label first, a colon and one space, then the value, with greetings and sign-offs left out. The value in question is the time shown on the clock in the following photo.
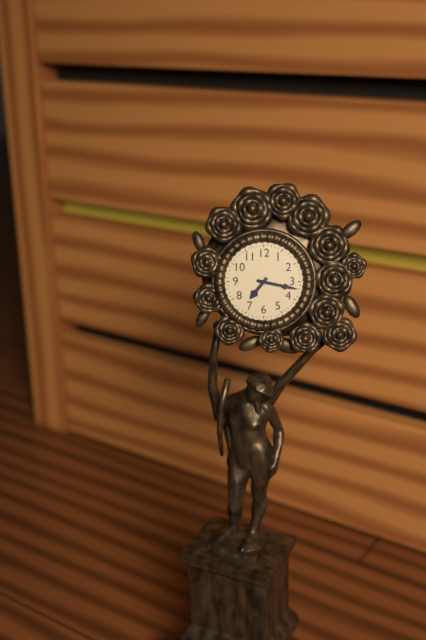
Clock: 7:17
